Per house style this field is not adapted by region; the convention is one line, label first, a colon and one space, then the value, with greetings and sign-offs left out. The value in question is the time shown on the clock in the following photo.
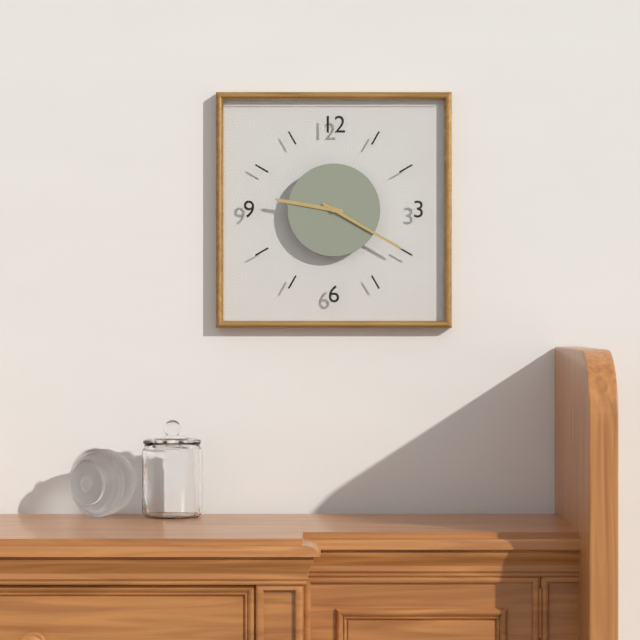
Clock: 9:20
